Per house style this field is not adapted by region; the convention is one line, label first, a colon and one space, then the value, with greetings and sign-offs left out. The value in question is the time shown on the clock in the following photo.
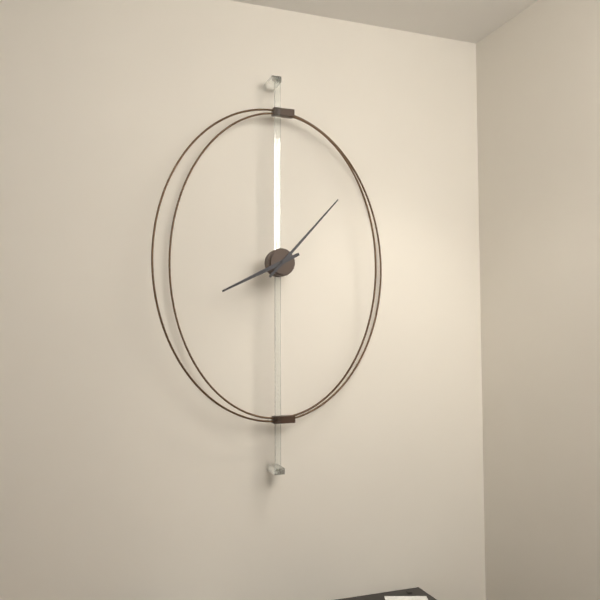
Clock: 8:07
